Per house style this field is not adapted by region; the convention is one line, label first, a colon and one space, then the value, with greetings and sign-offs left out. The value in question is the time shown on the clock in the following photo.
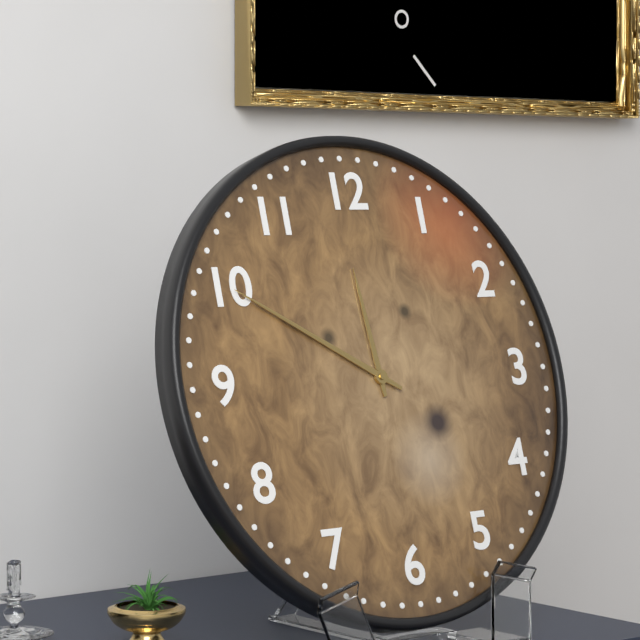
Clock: 11:50
